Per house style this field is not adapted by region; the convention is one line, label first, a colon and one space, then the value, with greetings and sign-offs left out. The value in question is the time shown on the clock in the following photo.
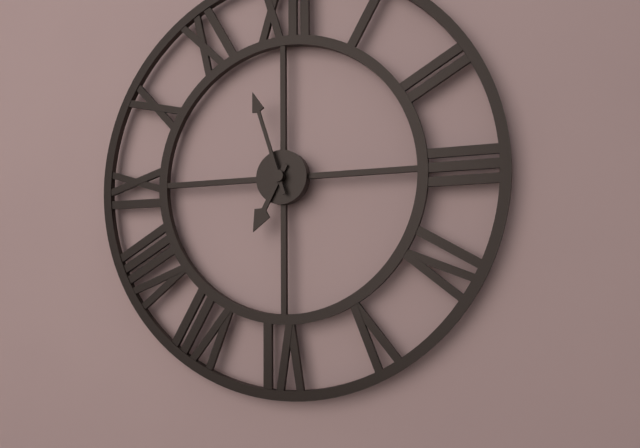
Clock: 6:57
